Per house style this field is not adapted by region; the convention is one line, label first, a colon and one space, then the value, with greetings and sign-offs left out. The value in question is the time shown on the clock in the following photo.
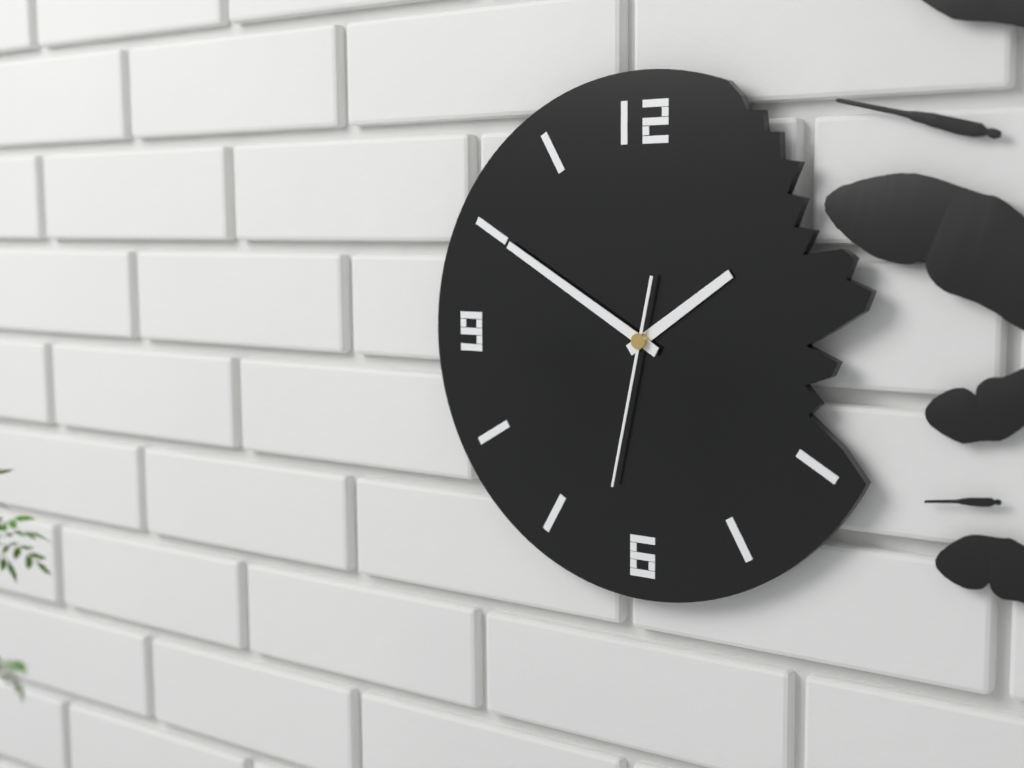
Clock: 1:50:32
